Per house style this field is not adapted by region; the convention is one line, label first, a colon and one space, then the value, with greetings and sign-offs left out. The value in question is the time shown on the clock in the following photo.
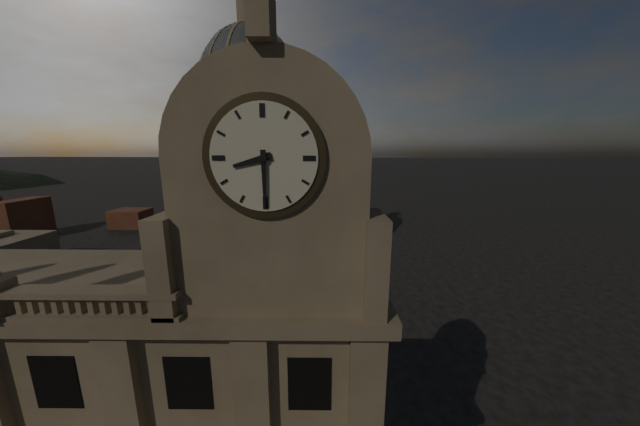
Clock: 8:30
